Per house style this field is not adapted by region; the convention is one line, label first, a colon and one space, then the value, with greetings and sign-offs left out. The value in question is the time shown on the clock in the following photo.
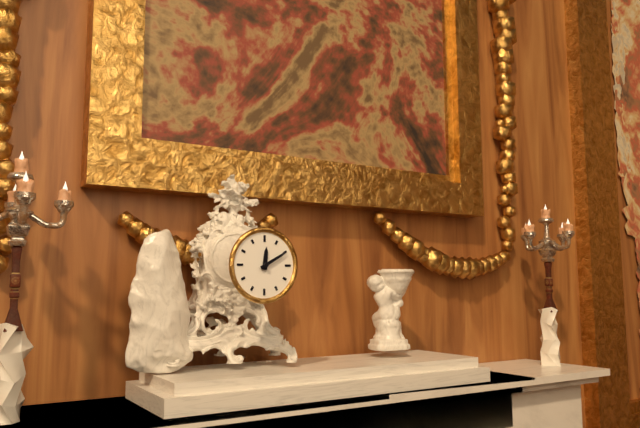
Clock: 12:10
